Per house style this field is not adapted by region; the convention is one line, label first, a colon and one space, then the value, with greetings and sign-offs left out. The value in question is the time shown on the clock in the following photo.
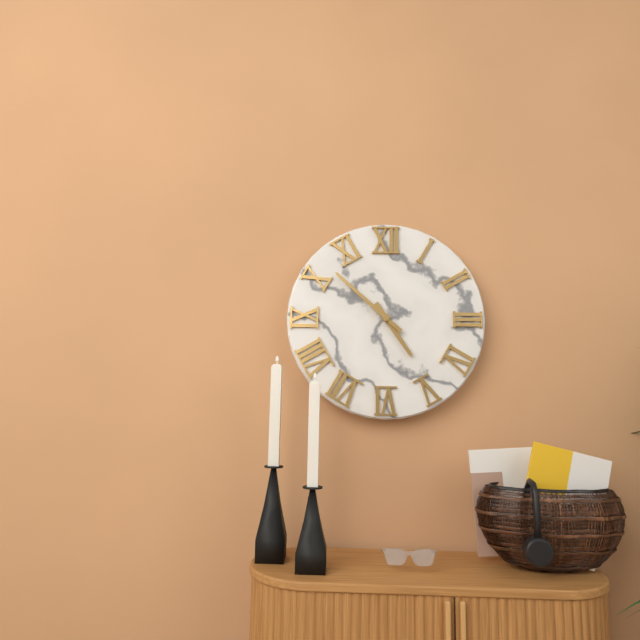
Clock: 4:52
